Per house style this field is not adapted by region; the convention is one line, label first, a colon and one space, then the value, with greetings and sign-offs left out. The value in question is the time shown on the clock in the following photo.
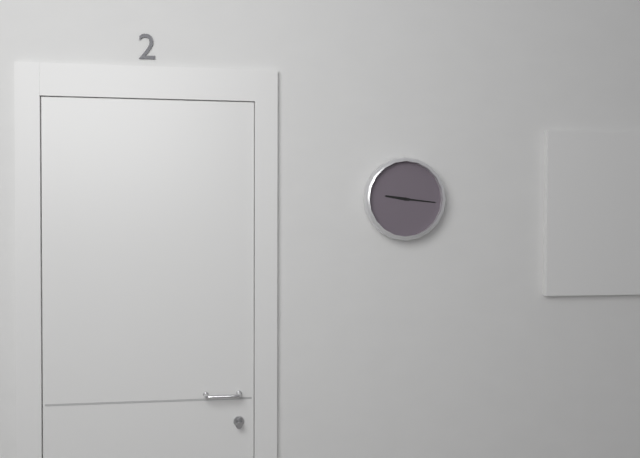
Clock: 9:16
